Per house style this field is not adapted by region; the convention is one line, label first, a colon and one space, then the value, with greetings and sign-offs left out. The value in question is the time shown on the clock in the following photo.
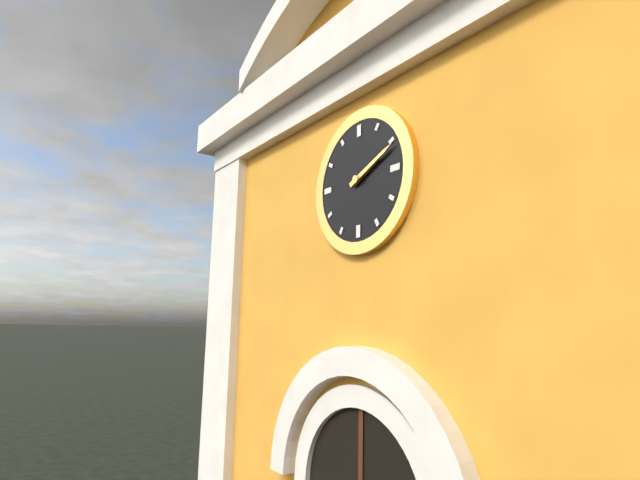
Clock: 2:11
